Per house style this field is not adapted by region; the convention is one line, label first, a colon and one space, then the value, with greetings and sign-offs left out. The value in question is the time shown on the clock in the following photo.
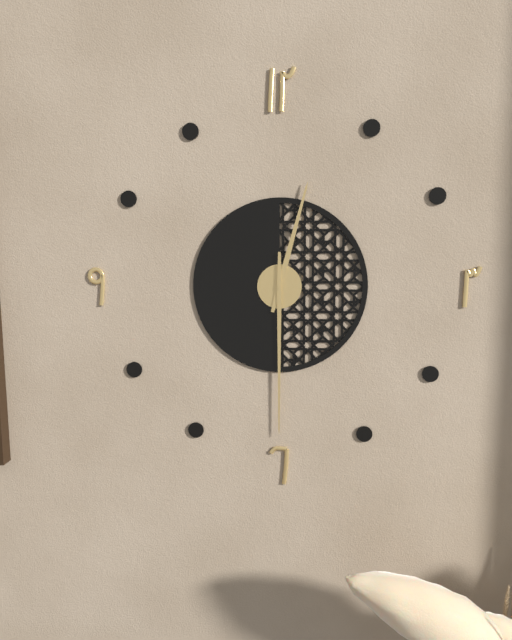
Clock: 12:30
